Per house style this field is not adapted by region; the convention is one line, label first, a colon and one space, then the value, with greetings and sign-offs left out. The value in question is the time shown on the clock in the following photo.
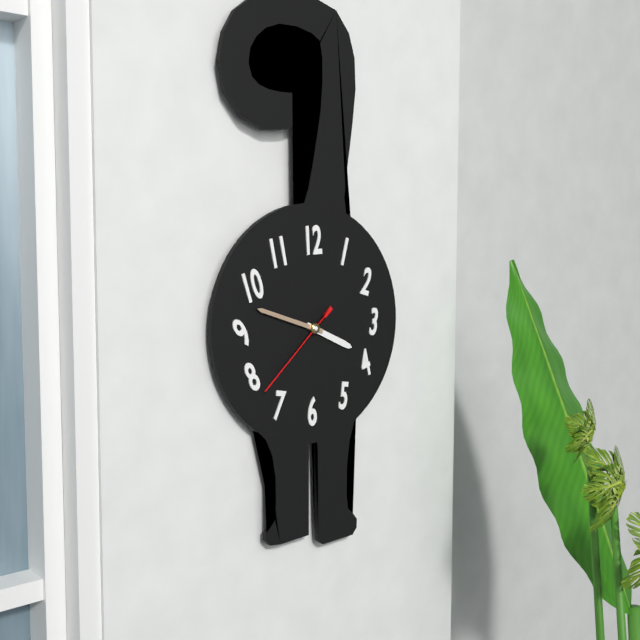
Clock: 3:48:38
